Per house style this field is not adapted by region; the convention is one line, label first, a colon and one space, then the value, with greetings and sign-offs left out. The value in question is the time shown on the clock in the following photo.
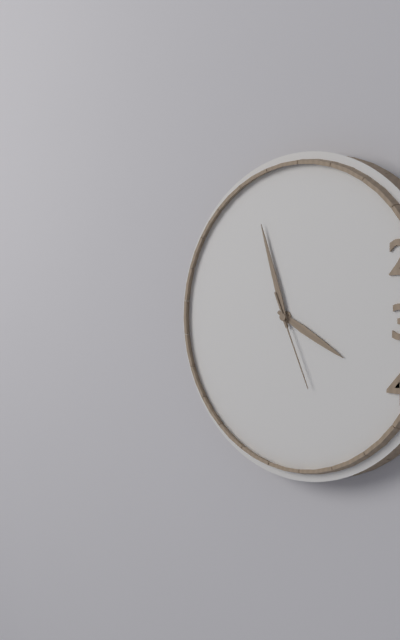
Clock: 3:57:26
